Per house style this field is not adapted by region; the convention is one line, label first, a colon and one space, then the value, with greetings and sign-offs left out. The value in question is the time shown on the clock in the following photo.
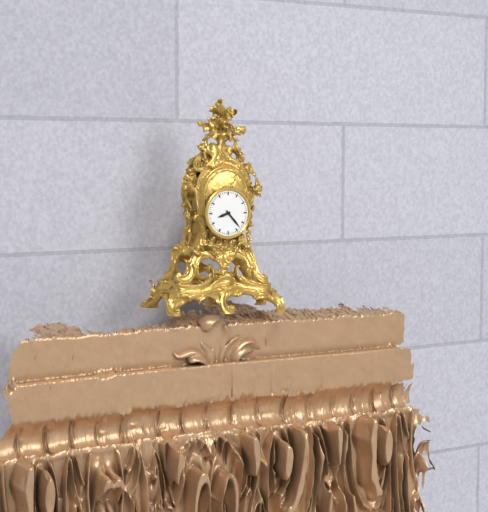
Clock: 8:23
